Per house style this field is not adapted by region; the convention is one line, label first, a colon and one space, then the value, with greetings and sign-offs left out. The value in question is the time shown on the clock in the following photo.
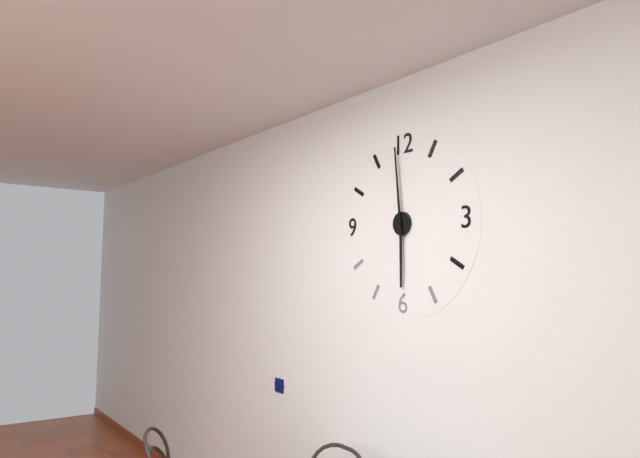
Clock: 5:59
